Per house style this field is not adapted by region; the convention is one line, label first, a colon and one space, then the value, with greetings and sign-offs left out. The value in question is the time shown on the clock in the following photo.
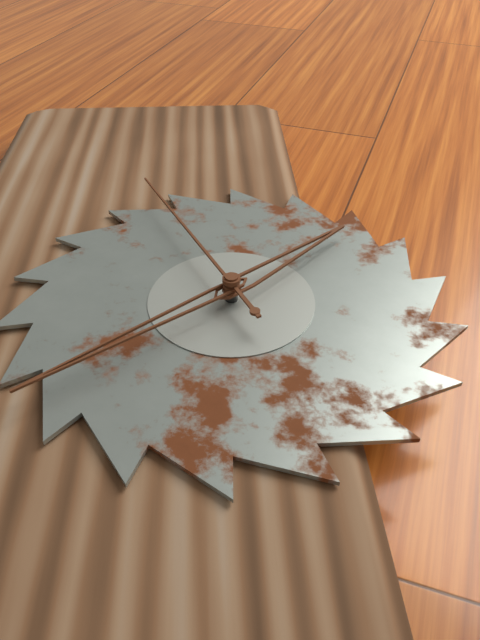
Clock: 1:39:56
